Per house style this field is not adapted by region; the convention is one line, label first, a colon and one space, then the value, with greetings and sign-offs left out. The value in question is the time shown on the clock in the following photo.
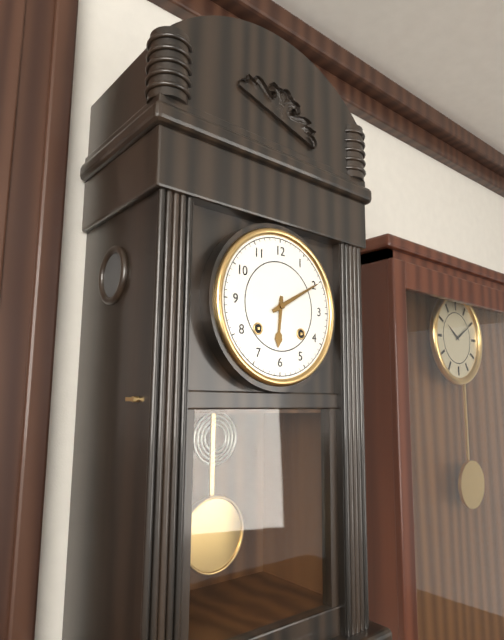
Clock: 6:10
